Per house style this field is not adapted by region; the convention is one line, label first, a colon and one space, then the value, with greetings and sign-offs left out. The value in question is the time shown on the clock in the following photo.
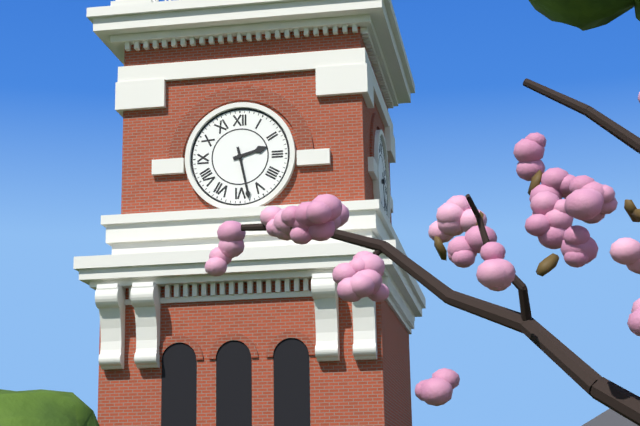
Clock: 2:28
